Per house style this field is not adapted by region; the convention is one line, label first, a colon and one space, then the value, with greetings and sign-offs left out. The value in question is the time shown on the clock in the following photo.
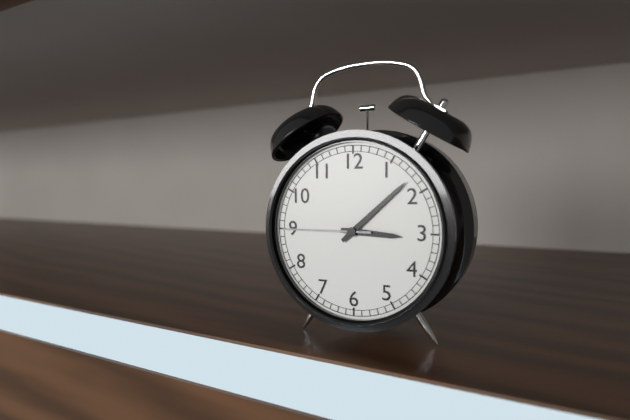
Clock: 3:08:45
